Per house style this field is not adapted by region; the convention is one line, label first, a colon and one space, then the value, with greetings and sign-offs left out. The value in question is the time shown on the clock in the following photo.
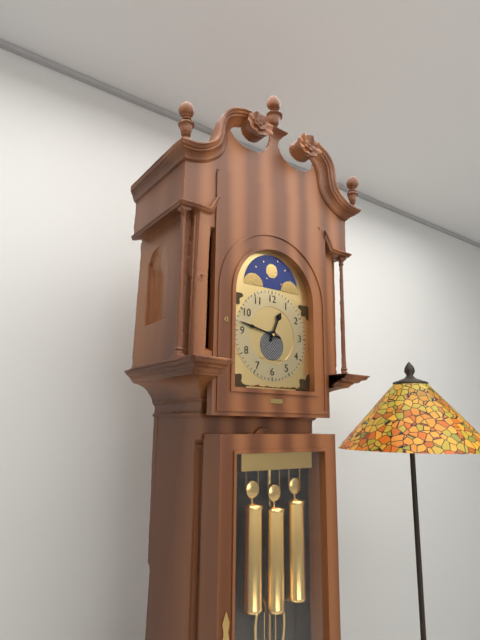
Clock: 12:47
